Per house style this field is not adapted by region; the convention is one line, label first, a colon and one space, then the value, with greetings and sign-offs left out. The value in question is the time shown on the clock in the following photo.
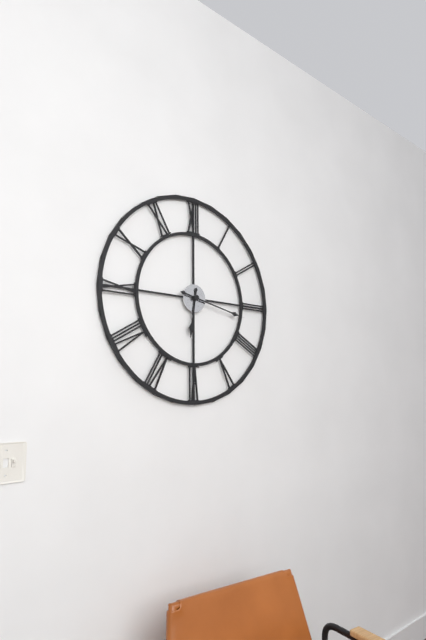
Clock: 6:17
